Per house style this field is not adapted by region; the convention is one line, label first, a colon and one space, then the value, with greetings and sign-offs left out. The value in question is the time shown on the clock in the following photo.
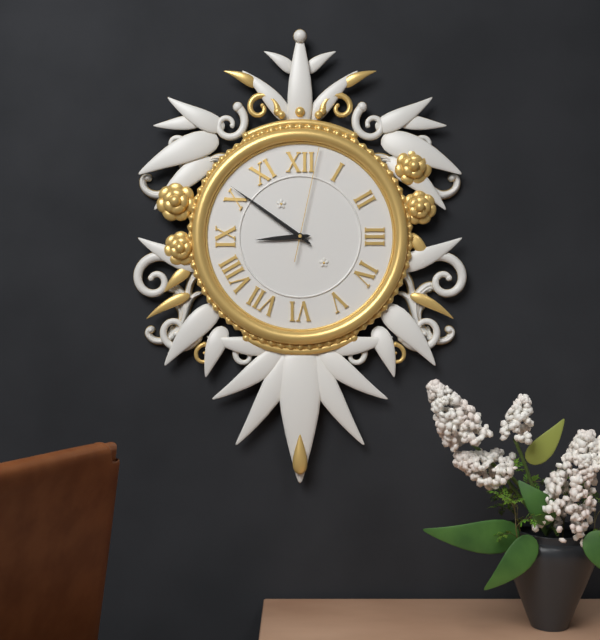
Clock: 8:51:02
